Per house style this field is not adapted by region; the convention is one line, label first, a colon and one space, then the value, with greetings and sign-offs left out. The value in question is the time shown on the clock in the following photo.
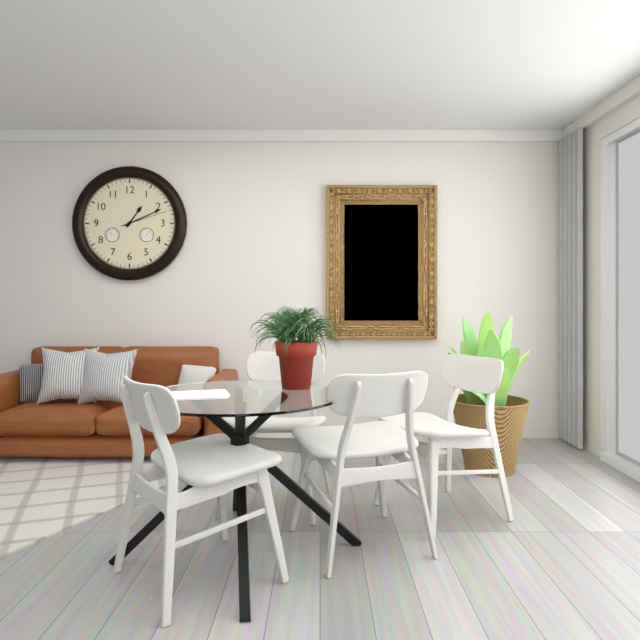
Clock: 1:11
